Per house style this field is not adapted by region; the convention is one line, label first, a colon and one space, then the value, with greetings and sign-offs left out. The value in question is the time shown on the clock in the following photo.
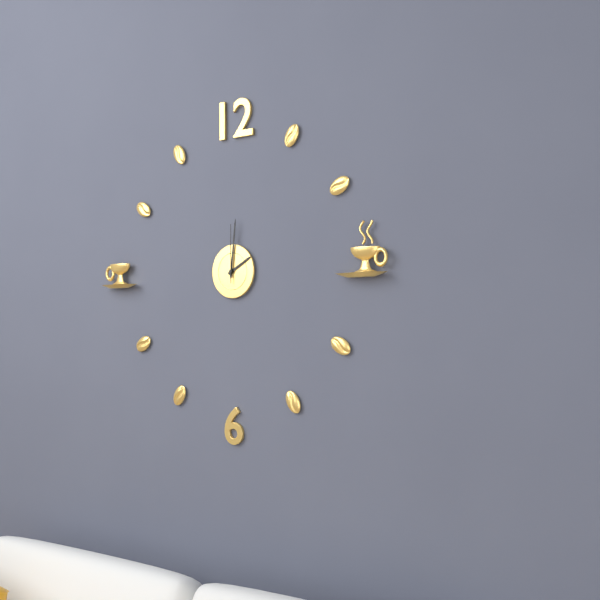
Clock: 2:01:00
